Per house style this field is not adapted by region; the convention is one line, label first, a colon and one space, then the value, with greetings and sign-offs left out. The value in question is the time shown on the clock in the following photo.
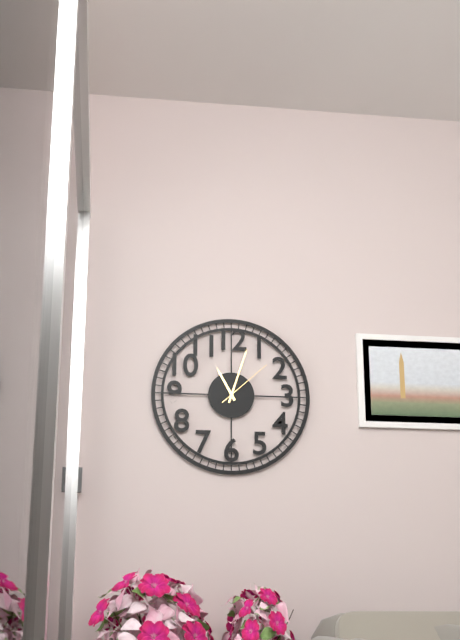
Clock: 11:03:08
